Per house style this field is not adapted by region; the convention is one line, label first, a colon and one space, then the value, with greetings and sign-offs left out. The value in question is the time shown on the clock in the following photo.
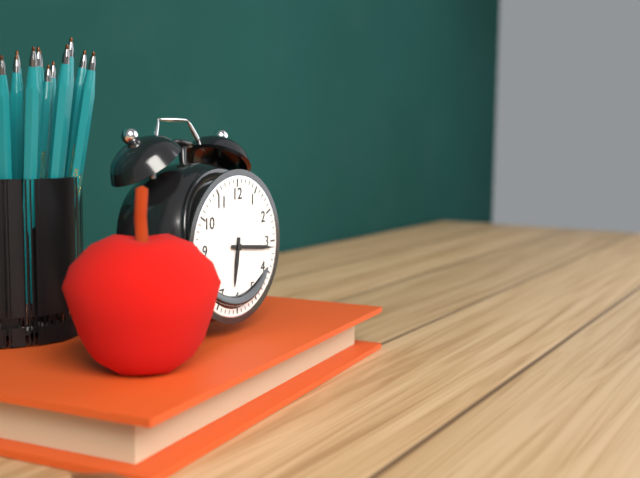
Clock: 6:16
